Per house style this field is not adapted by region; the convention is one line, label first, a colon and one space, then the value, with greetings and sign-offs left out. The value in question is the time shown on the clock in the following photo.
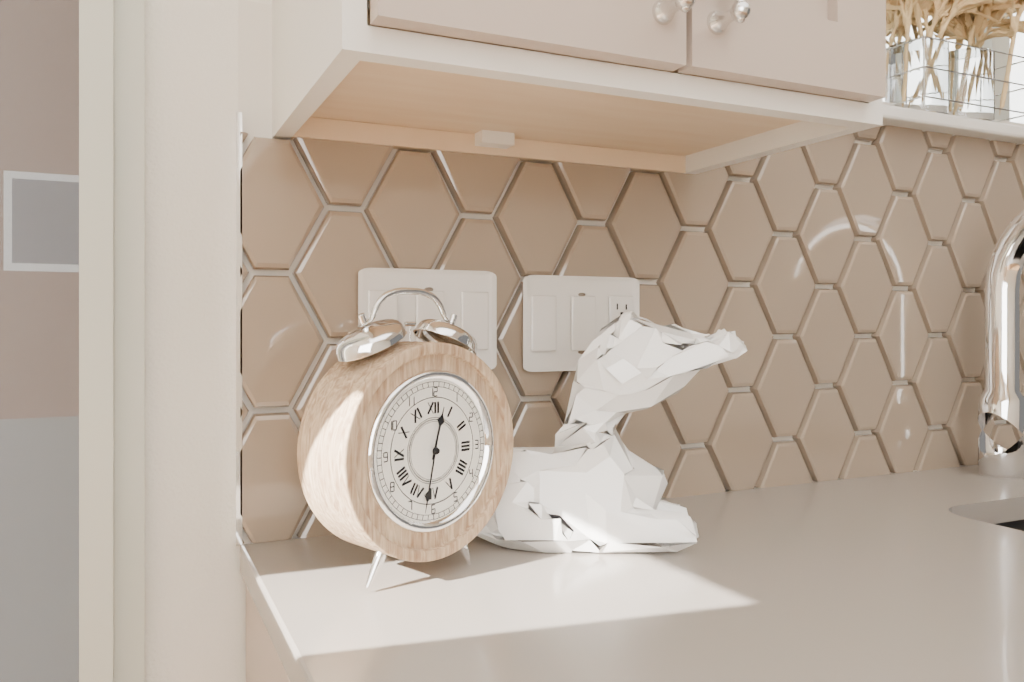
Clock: 12:32
